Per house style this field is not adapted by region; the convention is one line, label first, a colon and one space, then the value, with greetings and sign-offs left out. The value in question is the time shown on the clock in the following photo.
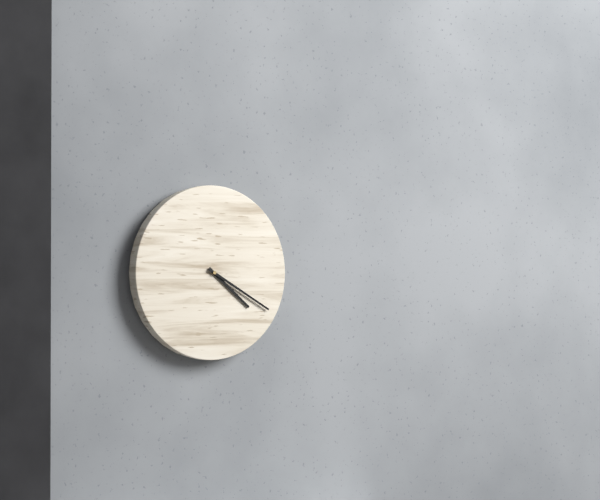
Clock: 4:20
